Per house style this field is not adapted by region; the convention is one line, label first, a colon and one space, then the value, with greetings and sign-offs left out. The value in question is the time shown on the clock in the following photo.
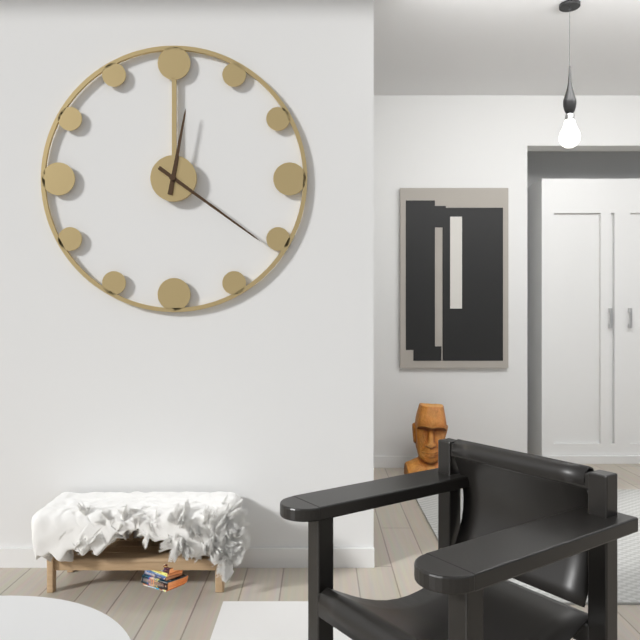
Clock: 12:21
